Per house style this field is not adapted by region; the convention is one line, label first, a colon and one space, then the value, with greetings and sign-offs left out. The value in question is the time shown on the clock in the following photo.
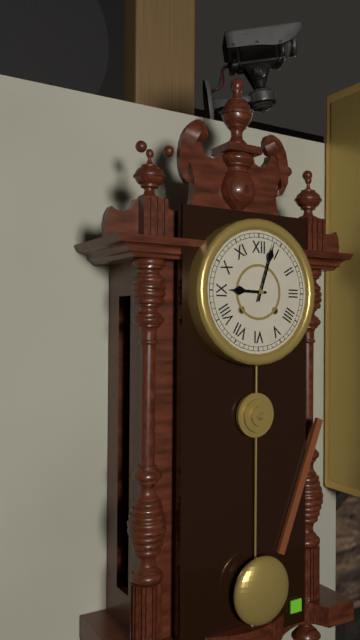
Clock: 9:03
